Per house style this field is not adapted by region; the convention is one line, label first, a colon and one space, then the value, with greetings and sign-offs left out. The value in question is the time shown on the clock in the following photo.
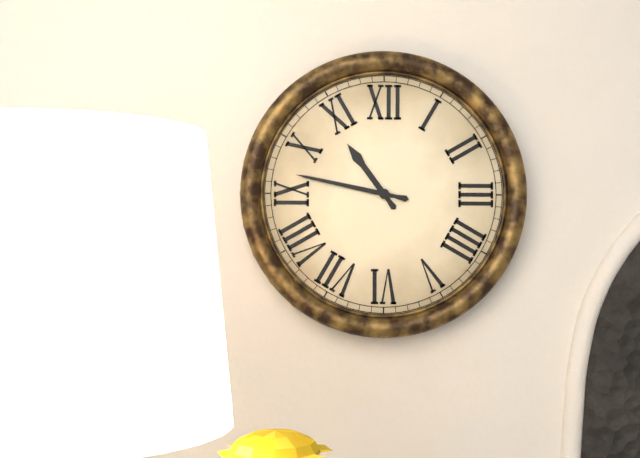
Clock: 10:47
